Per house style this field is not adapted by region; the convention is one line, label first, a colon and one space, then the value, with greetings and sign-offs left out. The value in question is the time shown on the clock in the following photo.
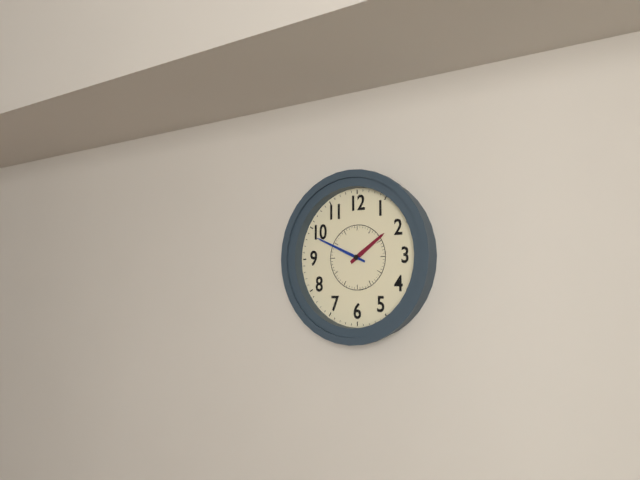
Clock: 1:49
